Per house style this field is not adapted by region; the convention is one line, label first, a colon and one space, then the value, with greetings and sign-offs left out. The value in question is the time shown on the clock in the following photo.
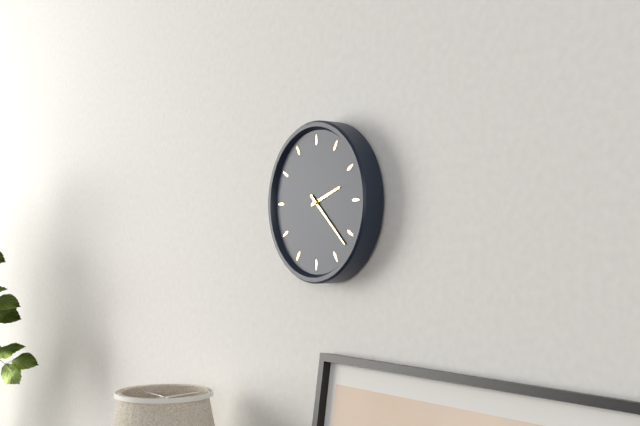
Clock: 2:22
